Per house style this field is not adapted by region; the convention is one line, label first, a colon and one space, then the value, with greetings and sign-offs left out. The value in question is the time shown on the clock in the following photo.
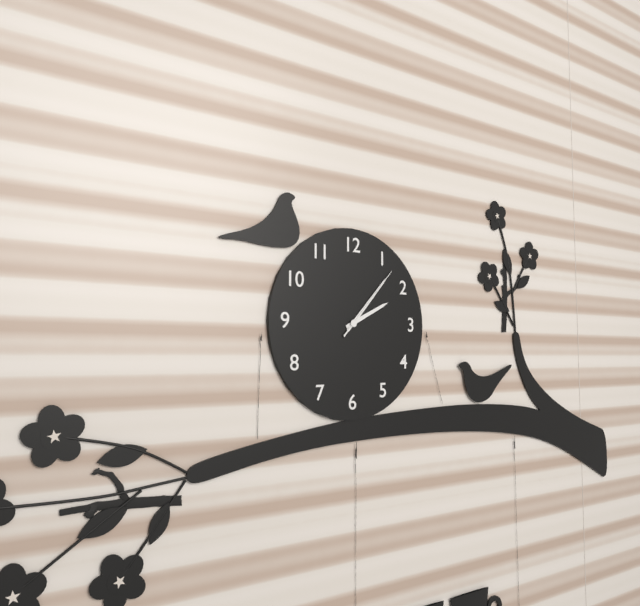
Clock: 2:07:07
